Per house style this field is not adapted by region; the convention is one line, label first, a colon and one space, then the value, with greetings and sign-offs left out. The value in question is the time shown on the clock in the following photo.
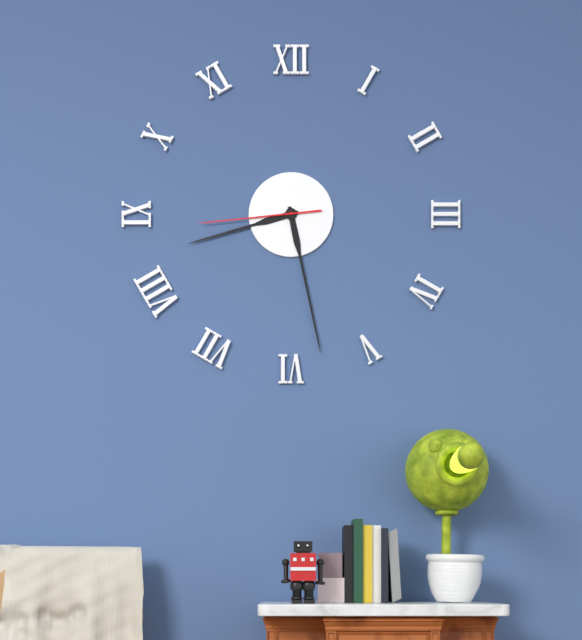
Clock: 8:28:44
